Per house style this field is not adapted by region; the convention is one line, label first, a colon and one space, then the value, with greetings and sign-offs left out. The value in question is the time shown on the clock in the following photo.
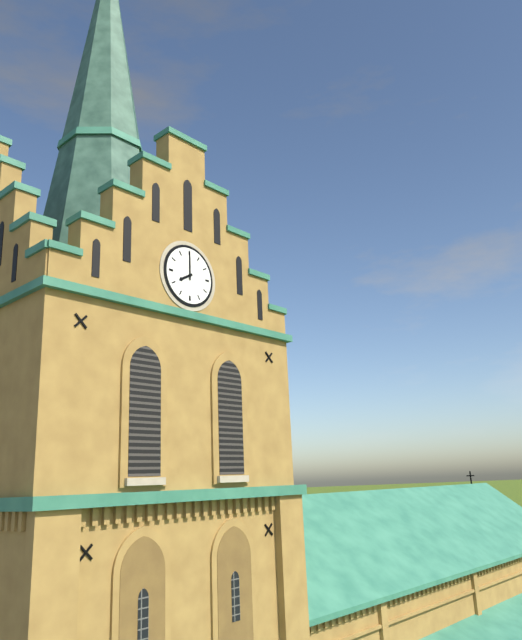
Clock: 8:00
